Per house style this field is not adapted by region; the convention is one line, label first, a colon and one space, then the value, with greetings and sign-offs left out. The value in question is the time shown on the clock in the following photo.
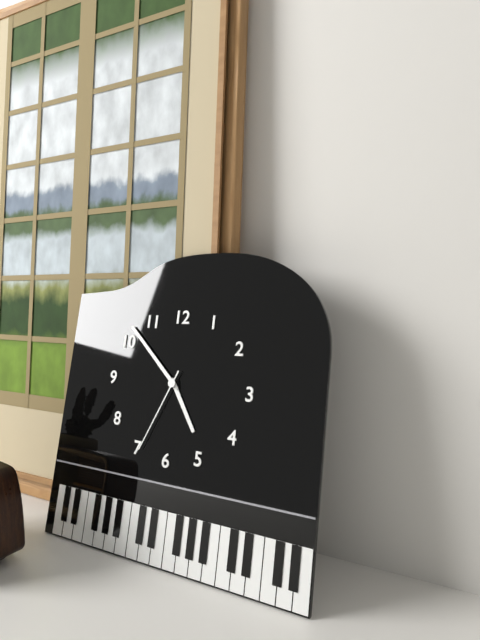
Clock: 4:52:34
